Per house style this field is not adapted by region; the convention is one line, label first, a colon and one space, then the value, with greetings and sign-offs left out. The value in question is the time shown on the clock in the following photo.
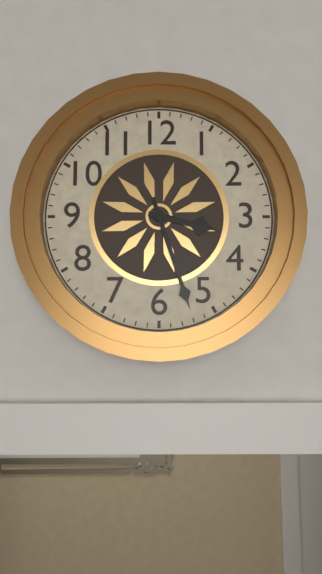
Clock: 3:27
